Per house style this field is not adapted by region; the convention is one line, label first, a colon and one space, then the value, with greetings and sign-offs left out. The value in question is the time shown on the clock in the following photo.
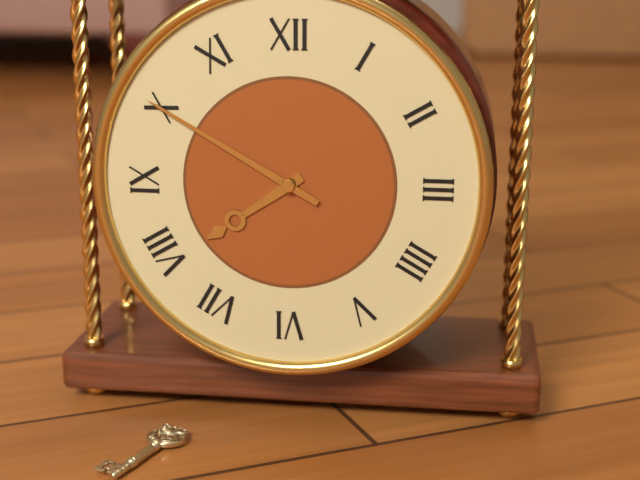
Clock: 7:50
